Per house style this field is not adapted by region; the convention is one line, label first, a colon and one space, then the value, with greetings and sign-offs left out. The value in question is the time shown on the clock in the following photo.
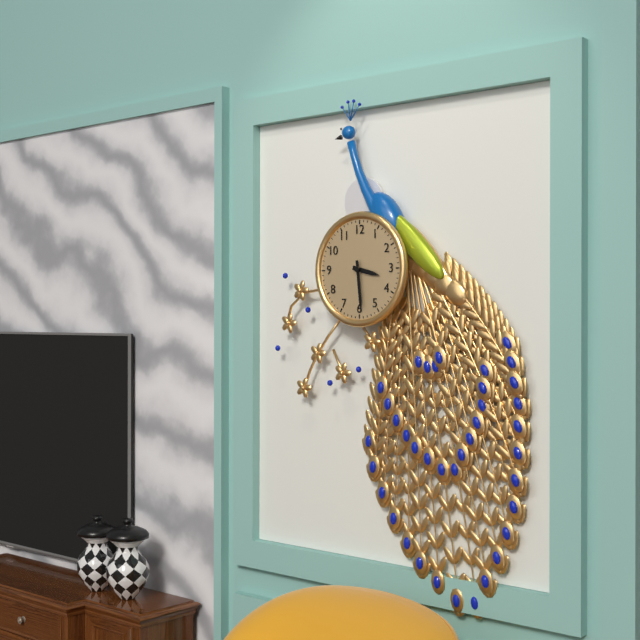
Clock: 3:29
